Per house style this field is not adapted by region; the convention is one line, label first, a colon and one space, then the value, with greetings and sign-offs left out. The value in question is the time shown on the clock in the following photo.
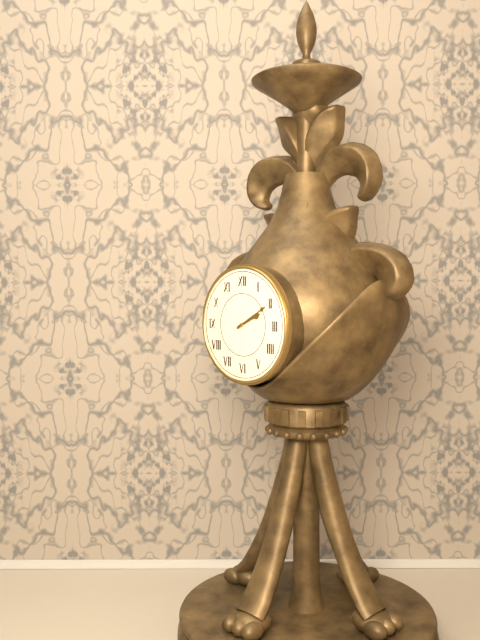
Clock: 2:10
